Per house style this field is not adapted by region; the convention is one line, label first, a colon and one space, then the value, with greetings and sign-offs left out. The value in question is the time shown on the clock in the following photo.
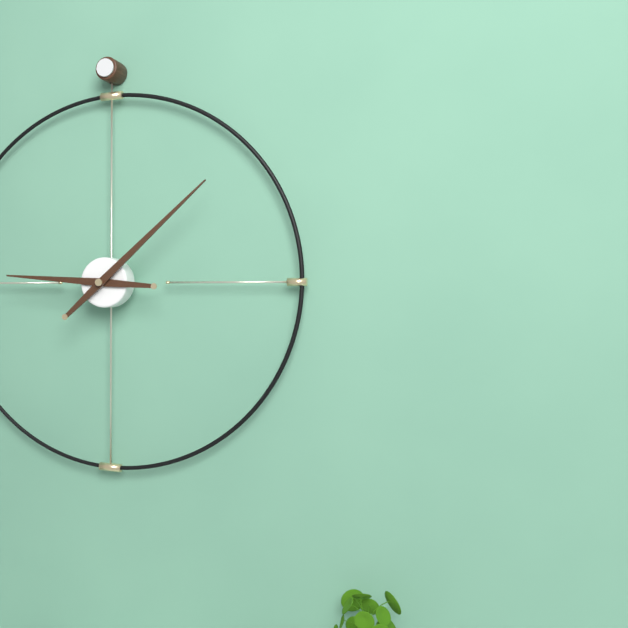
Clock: 9:08
